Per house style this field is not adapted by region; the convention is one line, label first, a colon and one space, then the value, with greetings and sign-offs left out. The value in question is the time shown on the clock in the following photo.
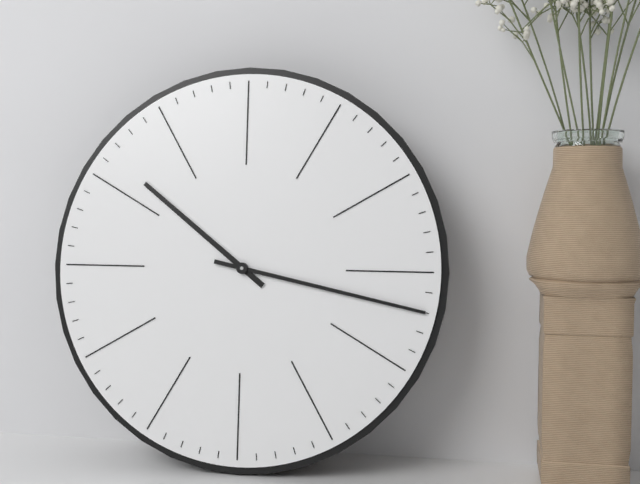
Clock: 10:17
